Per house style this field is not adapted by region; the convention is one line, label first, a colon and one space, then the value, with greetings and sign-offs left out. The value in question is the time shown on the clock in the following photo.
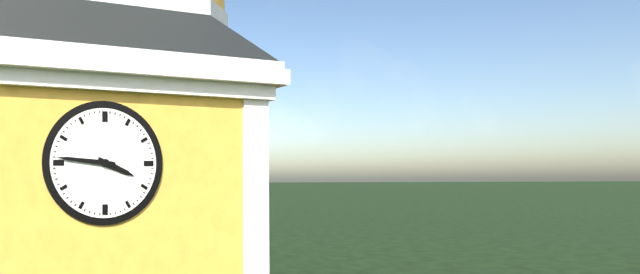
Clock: 3:46
